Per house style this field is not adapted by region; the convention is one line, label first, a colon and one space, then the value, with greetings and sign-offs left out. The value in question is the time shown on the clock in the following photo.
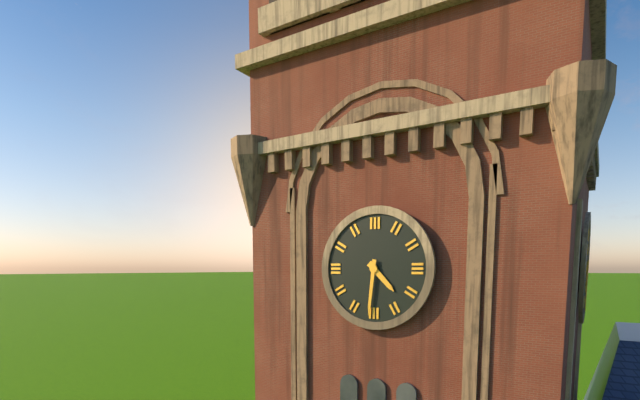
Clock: 4:31
